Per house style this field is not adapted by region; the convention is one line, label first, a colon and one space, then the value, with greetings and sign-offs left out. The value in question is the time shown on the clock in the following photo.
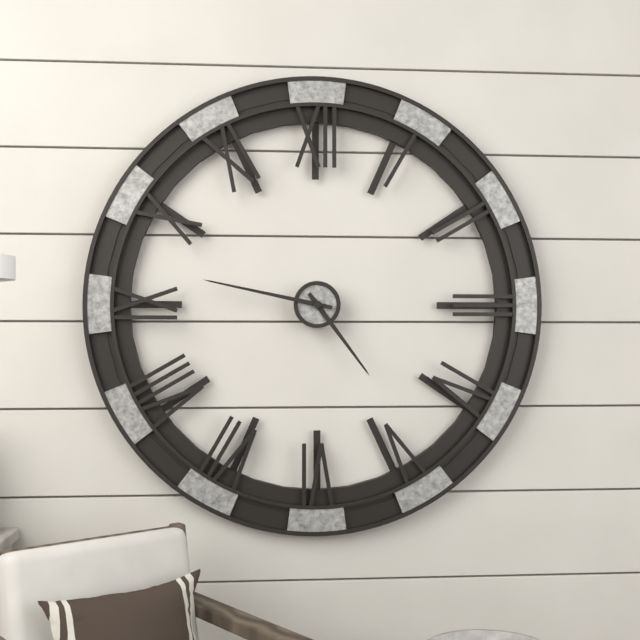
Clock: 4:47
